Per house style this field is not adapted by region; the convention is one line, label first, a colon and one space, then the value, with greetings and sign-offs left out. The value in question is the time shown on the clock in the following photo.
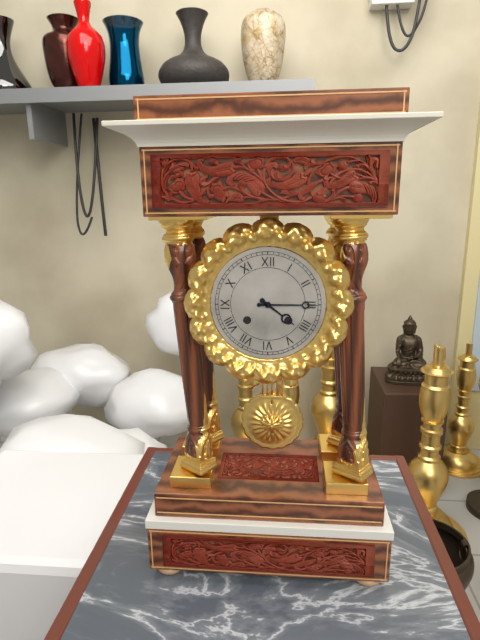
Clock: 4:15
